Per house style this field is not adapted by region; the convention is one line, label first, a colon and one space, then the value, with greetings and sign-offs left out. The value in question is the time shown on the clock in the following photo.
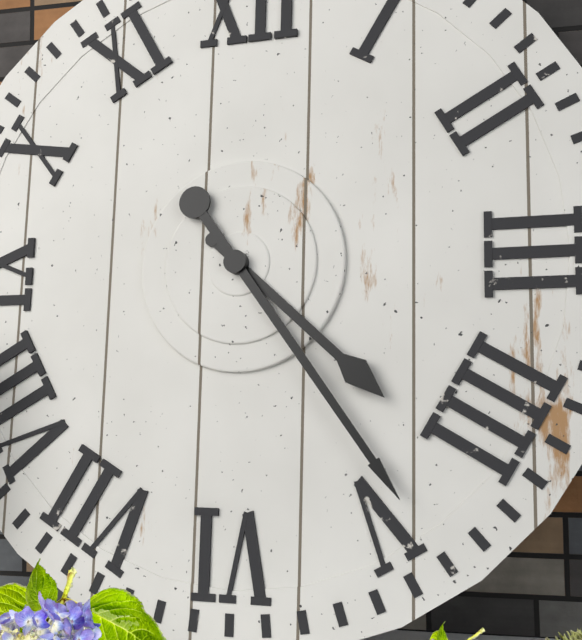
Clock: 4:24
